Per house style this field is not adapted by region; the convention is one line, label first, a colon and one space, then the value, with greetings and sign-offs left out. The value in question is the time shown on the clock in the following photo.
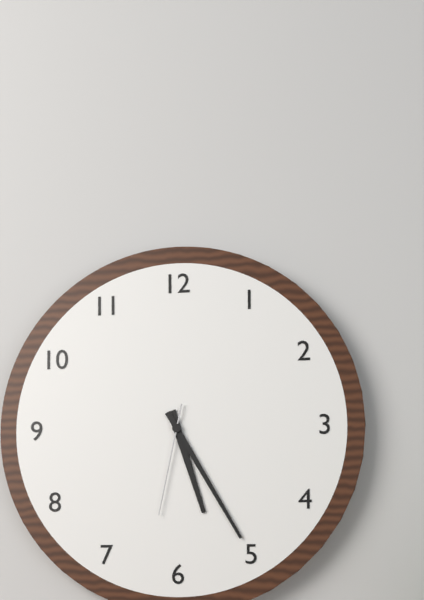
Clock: 5:25:32
